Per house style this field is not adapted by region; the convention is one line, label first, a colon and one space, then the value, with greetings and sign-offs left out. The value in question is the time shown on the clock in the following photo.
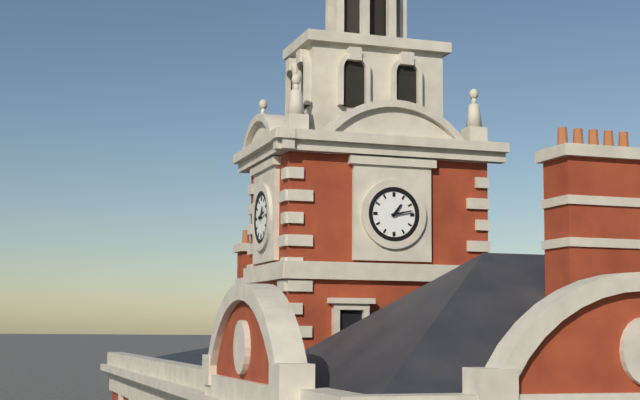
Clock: 1:13
